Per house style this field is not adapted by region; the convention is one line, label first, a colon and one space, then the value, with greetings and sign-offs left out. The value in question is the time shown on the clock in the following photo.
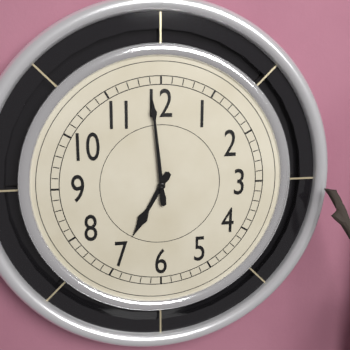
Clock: 6:59
